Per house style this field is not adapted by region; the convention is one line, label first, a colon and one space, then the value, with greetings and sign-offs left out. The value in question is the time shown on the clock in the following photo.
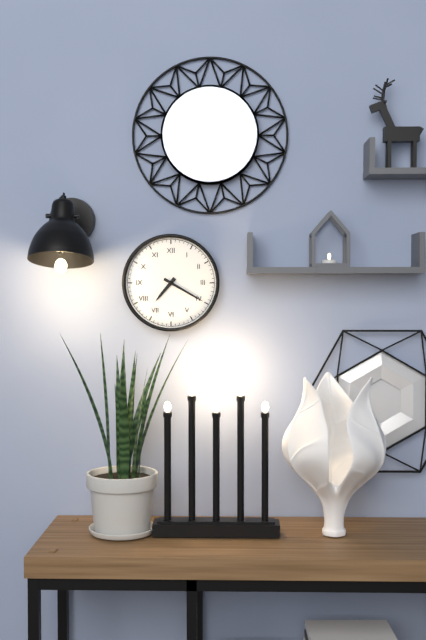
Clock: 7:20
